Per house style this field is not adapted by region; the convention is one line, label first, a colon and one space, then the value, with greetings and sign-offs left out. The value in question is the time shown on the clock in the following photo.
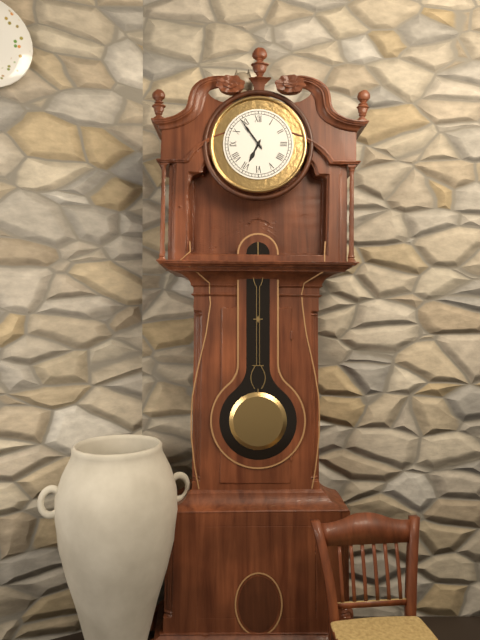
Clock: 6:54
